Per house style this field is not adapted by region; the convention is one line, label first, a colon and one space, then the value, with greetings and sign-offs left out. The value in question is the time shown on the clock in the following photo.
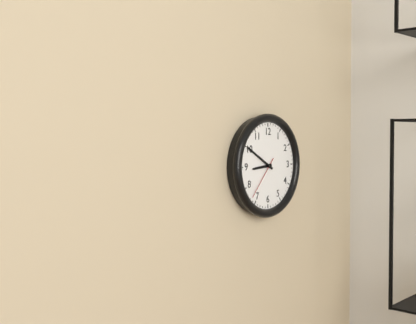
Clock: 8:50
